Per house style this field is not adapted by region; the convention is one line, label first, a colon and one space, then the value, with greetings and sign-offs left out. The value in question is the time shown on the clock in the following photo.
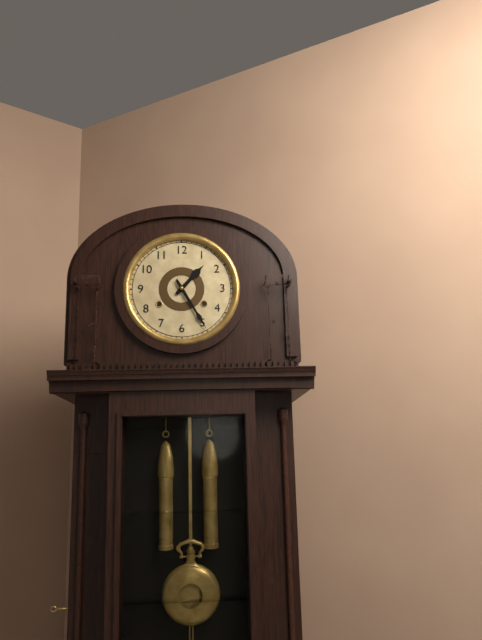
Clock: 1:25
